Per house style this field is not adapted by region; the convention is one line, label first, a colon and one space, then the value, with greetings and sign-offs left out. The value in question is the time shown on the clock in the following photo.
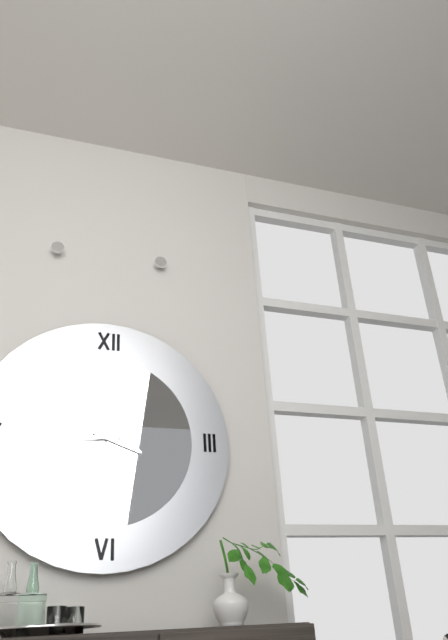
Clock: 3:44
